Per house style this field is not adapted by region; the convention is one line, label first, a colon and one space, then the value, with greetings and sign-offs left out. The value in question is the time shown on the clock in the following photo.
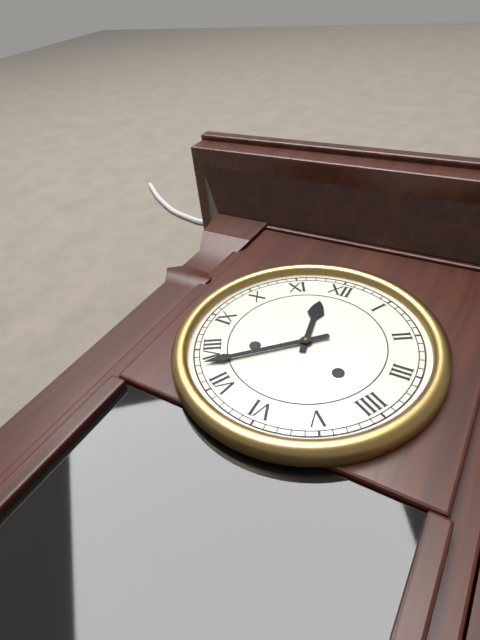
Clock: 11:38
